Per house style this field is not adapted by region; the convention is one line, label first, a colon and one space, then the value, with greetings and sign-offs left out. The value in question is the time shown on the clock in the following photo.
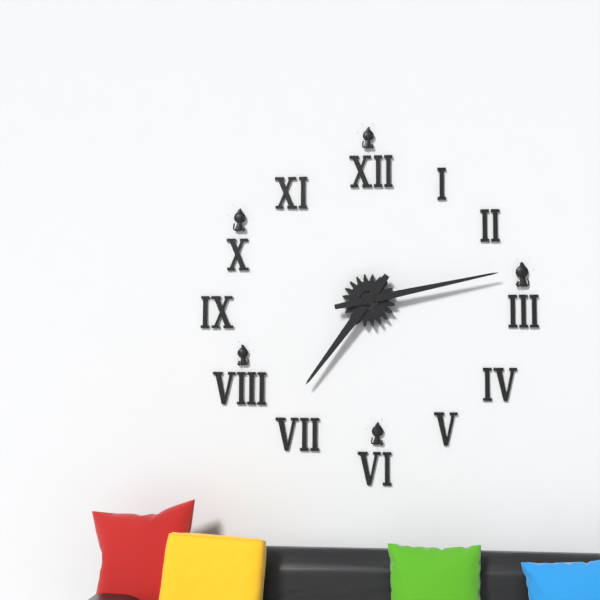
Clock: 7:13
